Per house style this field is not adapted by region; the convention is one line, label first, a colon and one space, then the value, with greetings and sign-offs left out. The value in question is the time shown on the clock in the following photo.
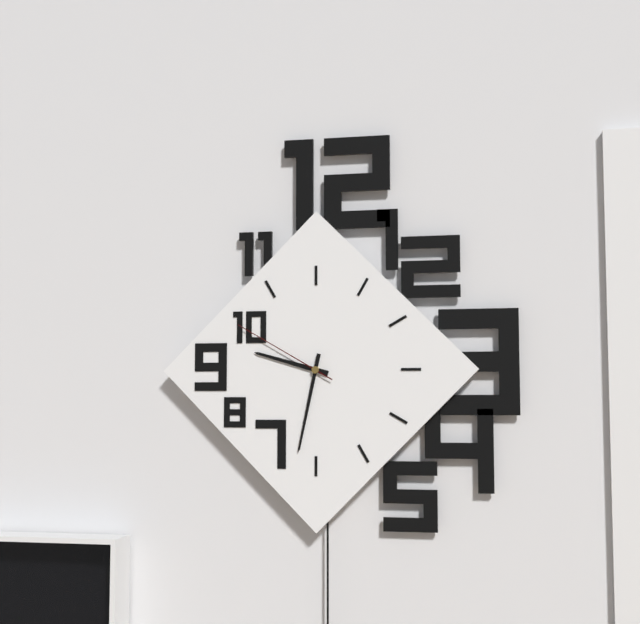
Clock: 9:32:50
